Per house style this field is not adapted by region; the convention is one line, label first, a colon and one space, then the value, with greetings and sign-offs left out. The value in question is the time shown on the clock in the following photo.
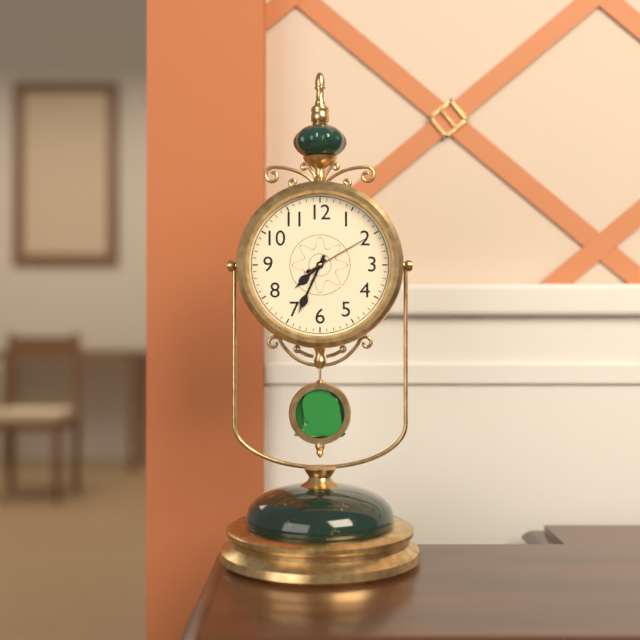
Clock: 7:34:10
